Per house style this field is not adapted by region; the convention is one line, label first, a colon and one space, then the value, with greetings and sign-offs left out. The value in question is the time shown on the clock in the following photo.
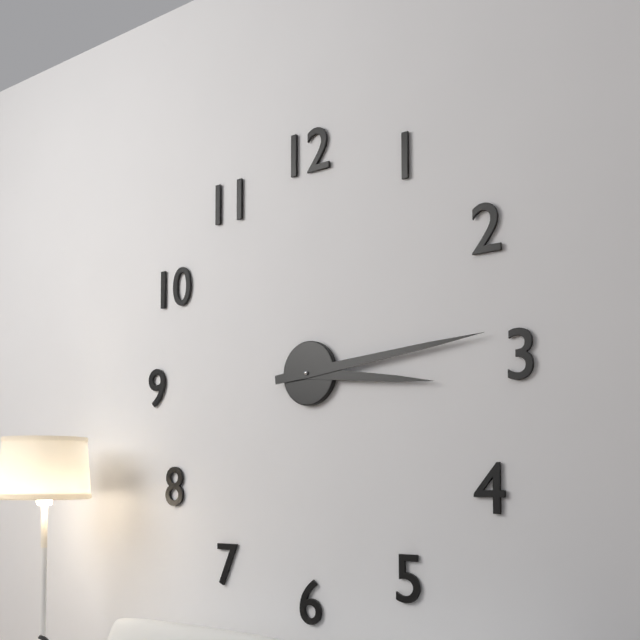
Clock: 3:14
